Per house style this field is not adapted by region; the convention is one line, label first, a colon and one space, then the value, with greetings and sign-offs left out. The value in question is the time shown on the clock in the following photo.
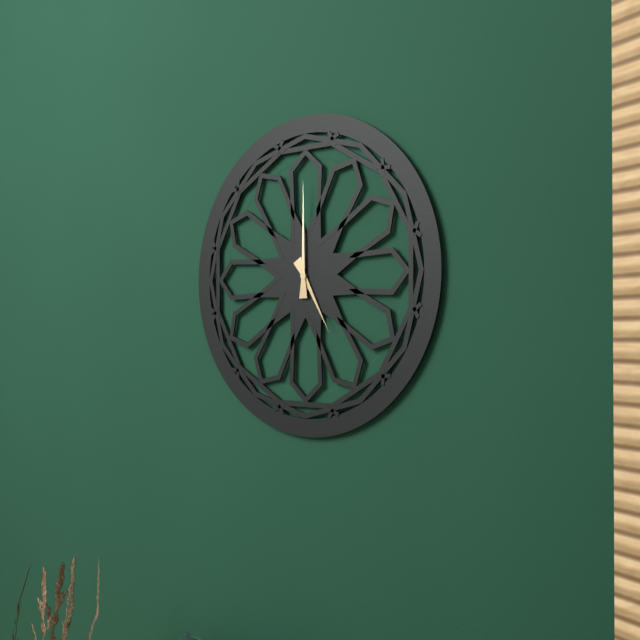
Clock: 5:00
